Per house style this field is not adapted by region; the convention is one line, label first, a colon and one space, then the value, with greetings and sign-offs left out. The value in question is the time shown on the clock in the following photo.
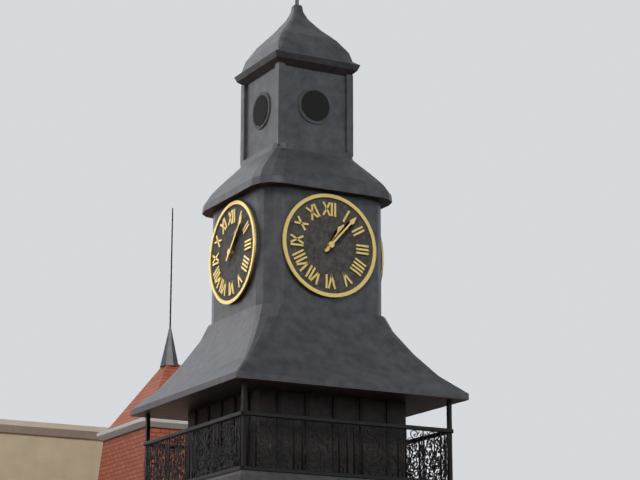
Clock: 1:07
